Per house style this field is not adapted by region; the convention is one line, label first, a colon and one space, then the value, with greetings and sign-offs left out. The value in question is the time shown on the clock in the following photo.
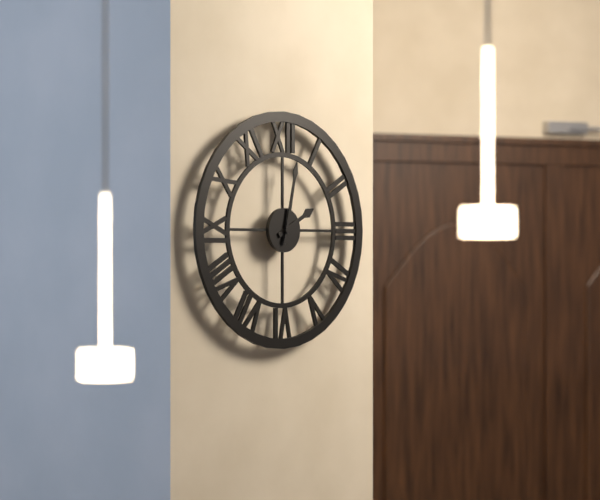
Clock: 2:02
